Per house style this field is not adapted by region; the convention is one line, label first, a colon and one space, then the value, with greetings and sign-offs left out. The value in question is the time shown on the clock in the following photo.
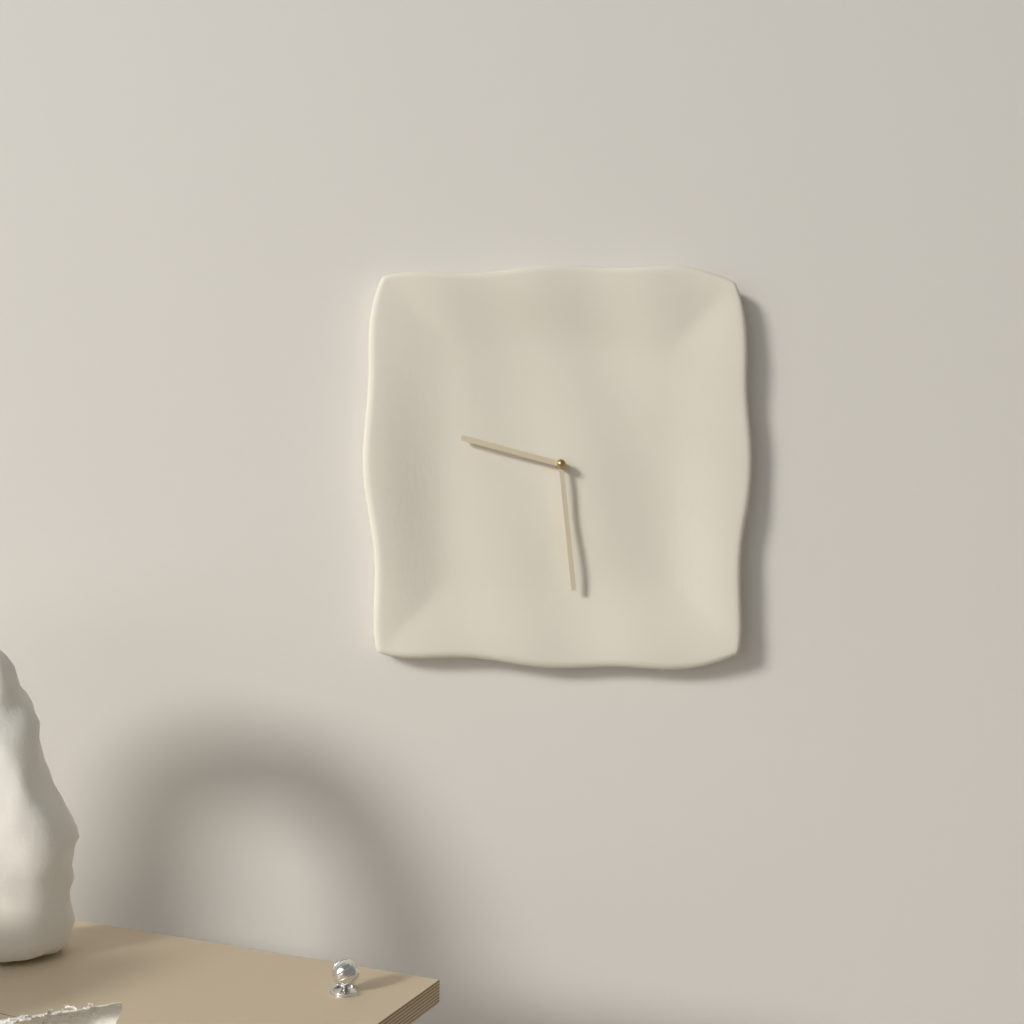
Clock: 9:29
